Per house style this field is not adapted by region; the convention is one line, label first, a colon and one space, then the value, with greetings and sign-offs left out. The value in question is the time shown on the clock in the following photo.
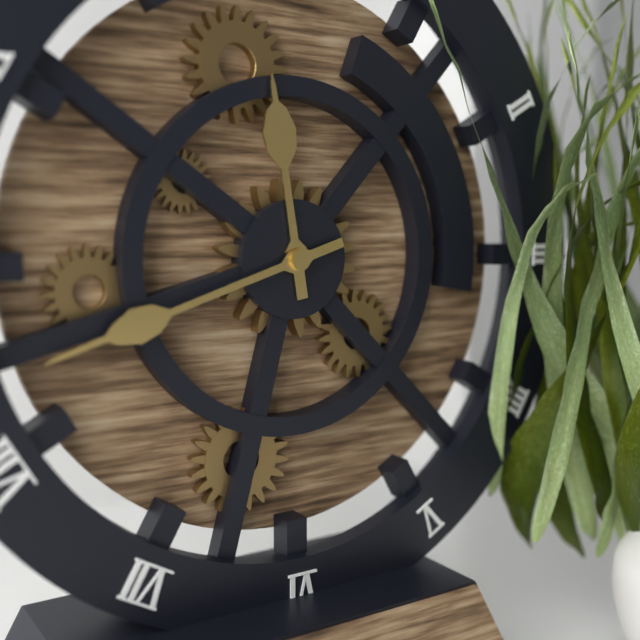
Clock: 11:42
